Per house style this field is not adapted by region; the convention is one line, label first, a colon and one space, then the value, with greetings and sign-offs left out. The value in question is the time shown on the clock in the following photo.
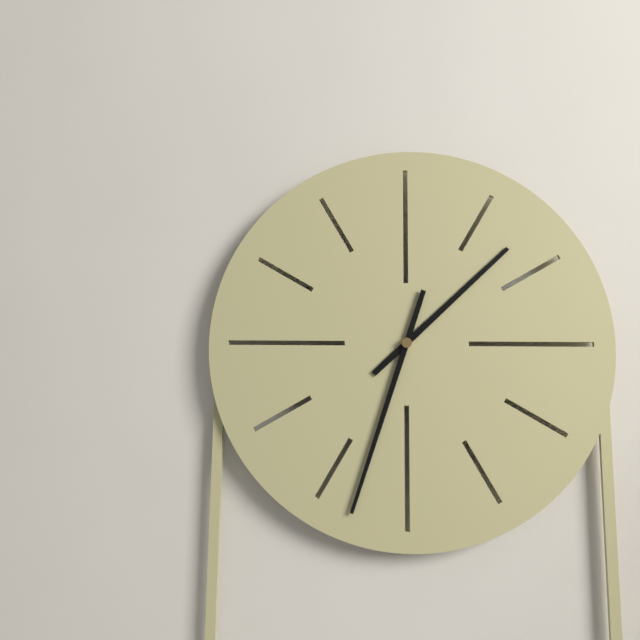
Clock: 1:33
